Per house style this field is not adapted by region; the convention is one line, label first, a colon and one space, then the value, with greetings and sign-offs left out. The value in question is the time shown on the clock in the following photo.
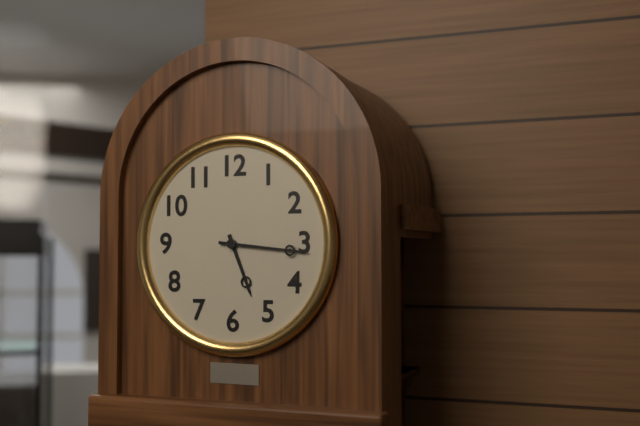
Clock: 5:16
